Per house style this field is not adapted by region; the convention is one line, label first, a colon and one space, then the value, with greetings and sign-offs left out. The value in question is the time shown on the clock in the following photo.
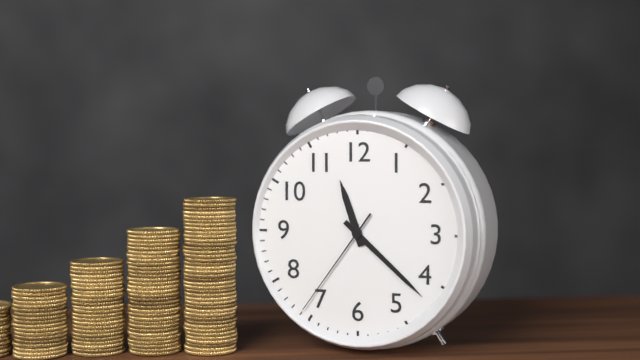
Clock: 11:22:36
